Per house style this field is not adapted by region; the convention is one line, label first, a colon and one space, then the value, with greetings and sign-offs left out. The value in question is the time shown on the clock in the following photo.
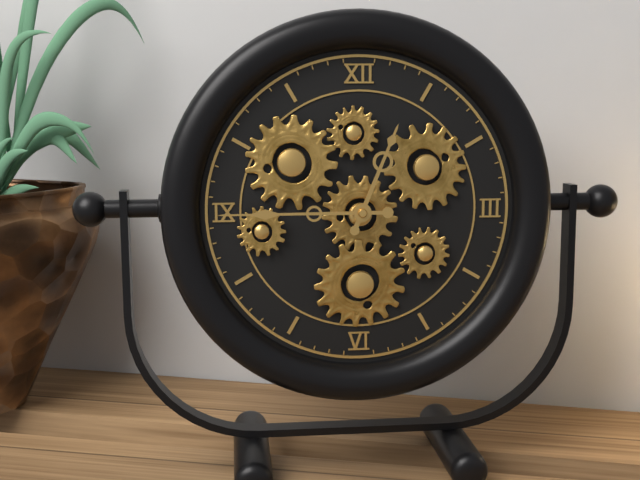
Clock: 12:45
